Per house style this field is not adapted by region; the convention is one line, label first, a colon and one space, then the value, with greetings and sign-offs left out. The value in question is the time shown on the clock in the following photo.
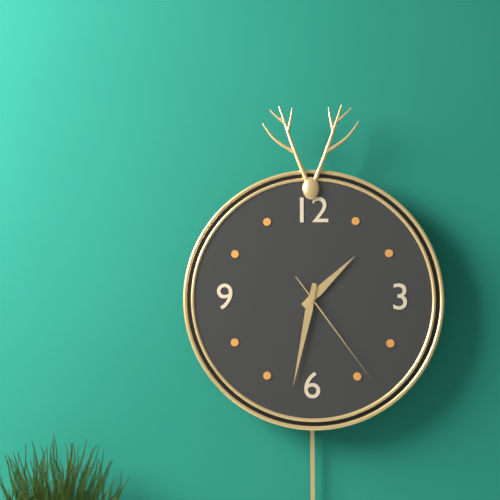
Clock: 1:32:24
